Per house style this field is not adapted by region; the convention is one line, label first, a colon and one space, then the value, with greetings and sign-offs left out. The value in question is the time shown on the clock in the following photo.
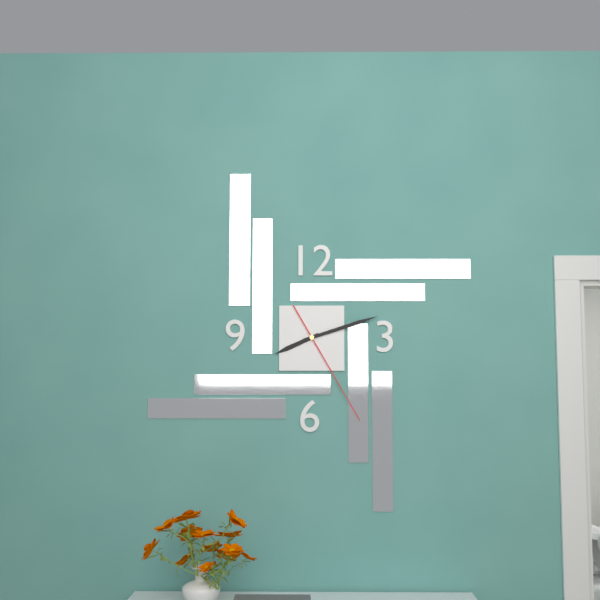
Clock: 8:12:25
